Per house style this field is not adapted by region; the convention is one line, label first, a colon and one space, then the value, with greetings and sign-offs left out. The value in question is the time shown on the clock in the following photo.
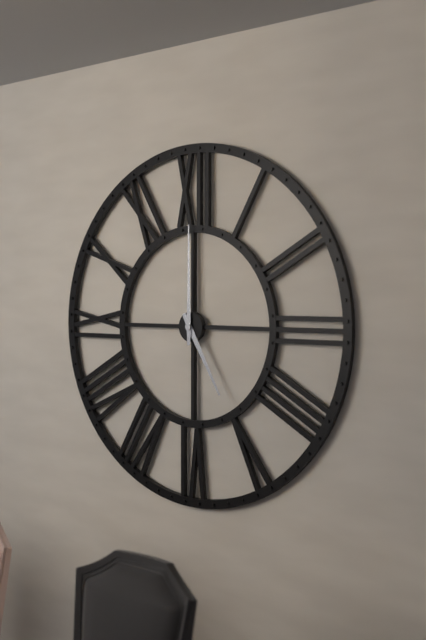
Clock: 5:00
